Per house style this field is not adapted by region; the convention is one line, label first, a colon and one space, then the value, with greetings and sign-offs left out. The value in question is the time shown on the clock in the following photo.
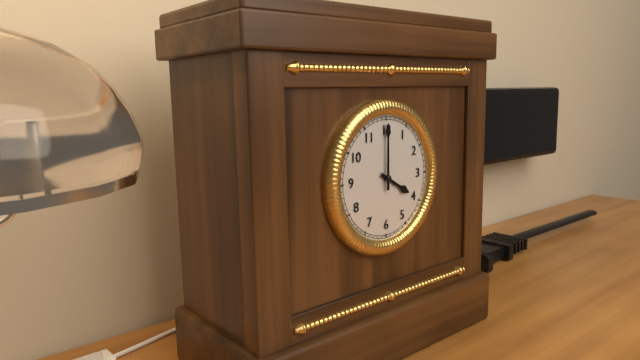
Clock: 4:00
